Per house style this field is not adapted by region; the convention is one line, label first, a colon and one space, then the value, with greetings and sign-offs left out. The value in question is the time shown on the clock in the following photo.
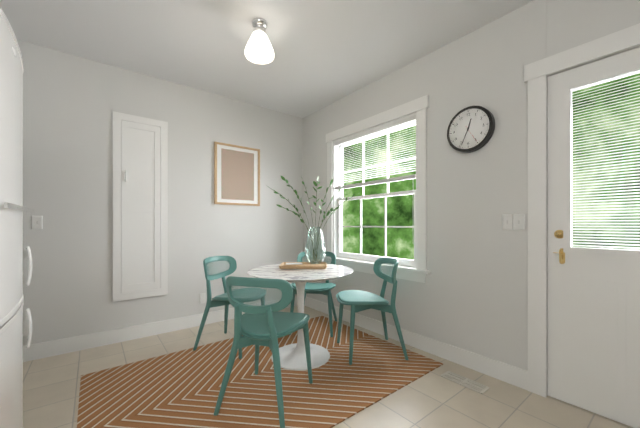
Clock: 12:34
